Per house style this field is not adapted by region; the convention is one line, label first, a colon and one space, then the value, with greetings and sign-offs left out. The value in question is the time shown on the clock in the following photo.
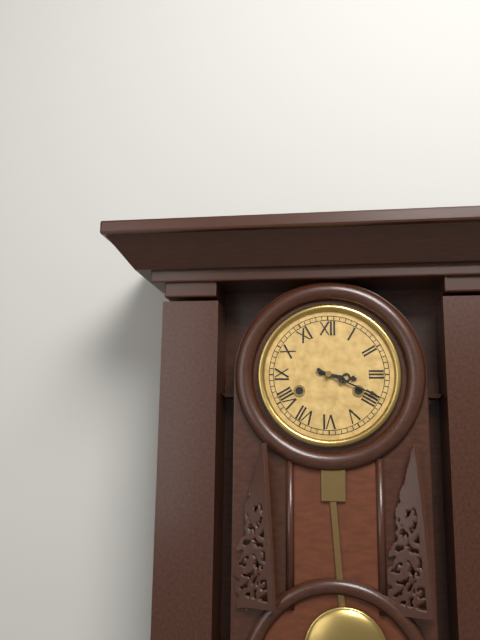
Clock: 3:19
